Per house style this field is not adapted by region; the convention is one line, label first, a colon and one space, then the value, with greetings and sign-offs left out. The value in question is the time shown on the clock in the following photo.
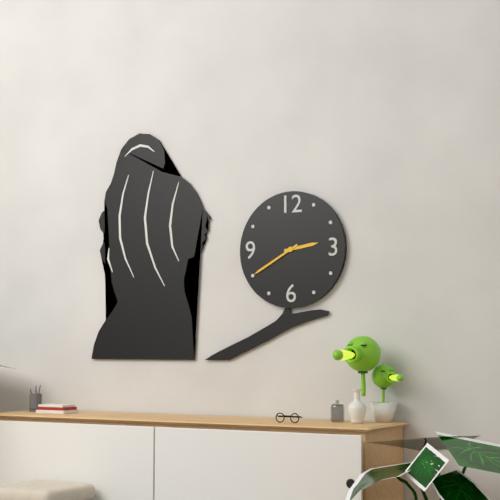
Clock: 2:40
